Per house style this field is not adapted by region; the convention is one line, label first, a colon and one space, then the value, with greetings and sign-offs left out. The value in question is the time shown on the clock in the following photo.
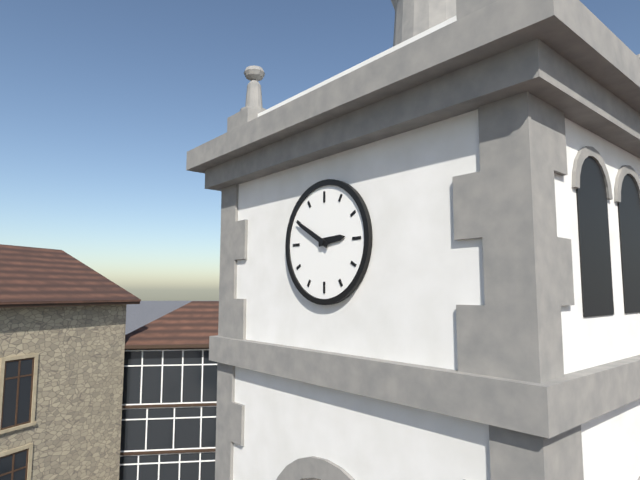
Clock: 2:50
